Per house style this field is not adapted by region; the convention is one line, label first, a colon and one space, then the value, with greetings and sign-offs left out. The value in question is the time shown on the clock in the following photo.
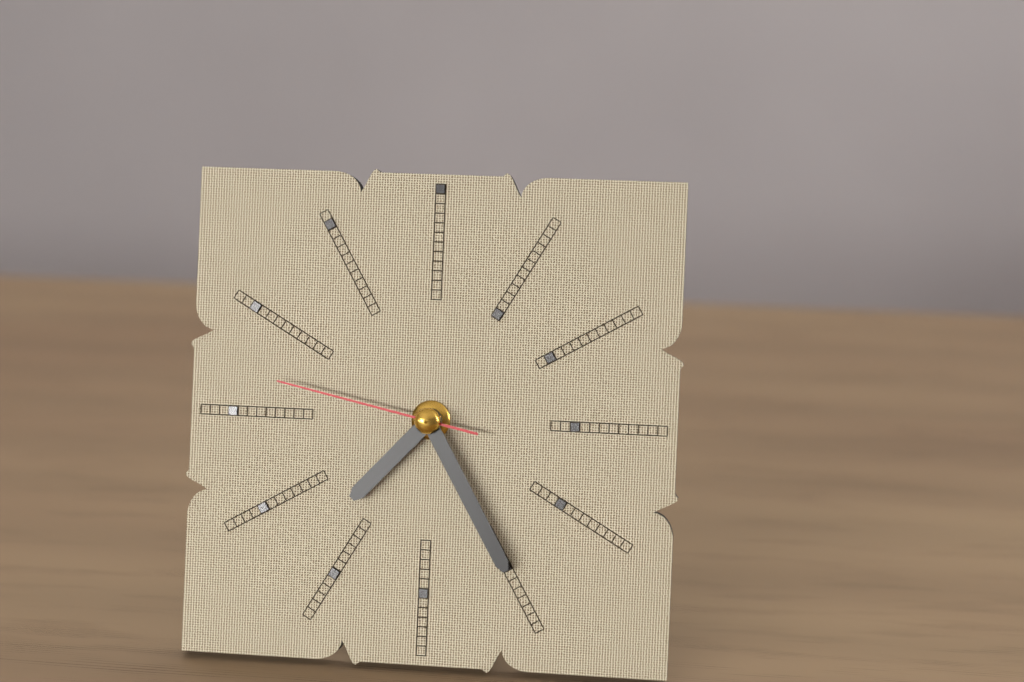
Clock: 7:25:47
